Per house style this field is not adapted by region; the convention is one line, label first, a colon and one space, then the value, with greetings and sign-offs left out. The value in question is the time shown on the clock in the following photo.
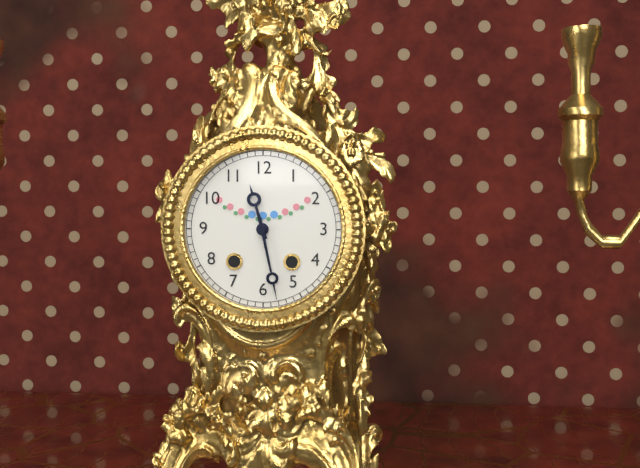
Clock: 11:28
